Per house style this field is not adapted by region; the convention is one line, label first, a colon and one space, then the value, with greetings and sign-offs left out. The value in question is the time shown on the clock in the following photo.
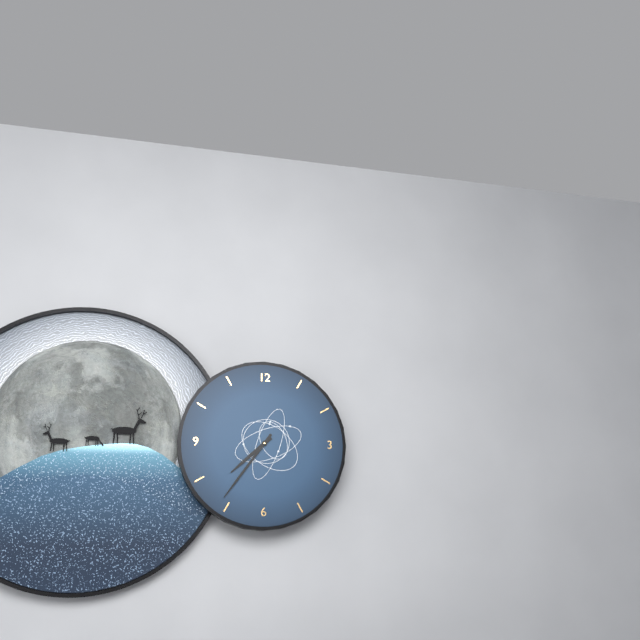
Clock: 7:36
